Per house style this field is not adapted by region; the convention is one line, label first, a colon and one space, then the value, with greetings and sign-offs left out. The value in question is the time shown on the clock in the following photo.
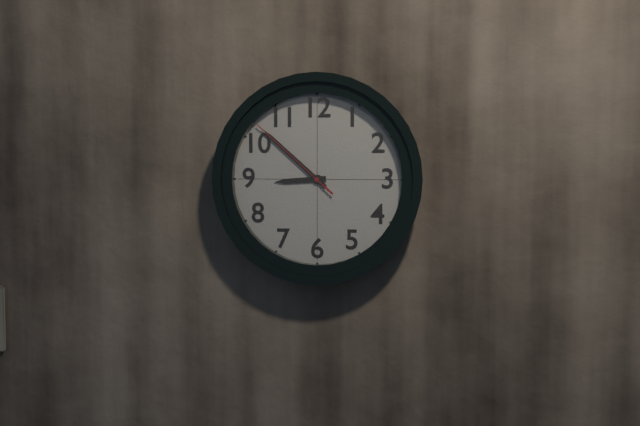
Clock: 8:52:52
